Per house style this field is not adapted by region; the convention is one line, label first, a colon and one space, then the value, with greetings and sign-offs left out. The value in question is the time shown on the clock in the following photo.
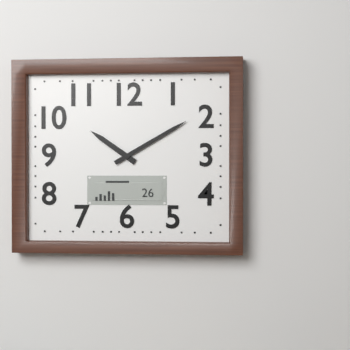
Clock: 10:10
